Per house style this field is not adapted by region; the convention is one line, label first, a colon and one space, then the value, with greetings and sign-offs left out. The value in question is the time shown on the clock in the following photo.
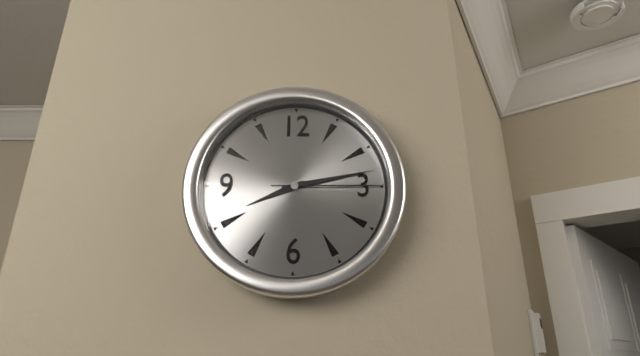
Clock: 8:13:15
